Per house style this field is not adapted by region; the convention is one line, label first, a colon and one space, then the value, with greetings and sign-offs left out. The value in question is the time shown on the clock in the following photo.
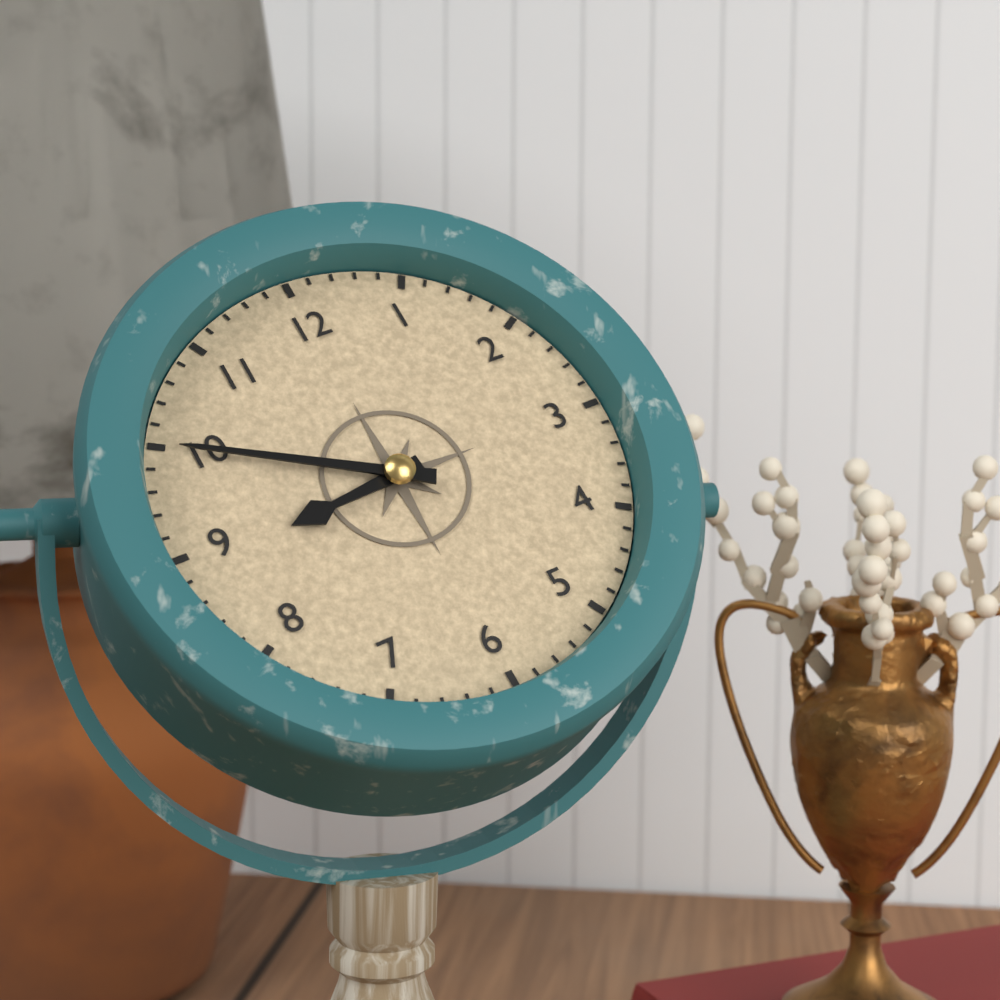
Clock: 8:50
